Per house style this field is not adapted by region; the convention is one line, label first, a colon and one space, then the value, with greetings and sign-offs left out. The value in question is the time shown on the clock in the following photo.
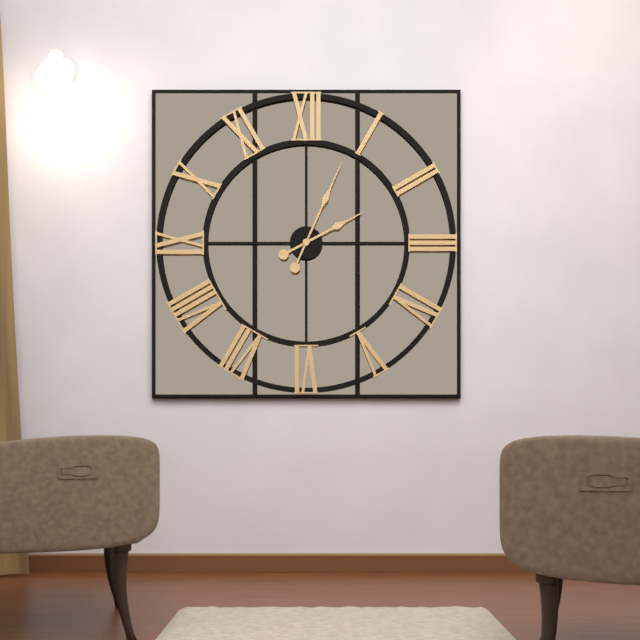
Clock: 2:04
